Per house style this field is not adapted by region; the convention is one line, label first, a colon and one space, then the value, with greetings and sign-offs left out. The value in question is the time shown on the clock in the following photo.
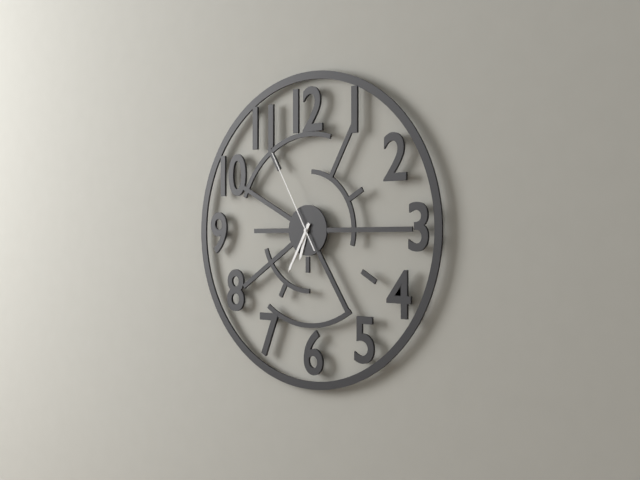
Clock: 6:35:55
